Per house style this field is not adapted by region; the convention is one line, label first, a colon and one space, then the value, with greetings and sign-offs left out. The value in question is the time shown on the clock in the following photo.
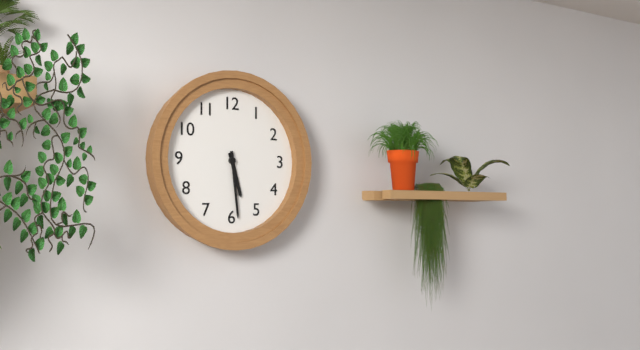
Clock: 5:29
